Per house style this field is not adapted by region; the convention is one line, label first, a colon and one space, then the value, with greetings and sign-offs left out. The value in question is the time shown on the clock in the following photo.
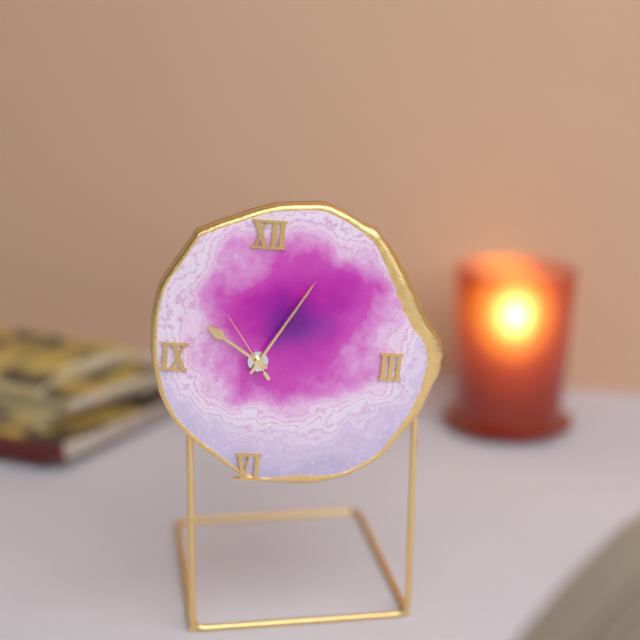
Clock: 10:05:54
